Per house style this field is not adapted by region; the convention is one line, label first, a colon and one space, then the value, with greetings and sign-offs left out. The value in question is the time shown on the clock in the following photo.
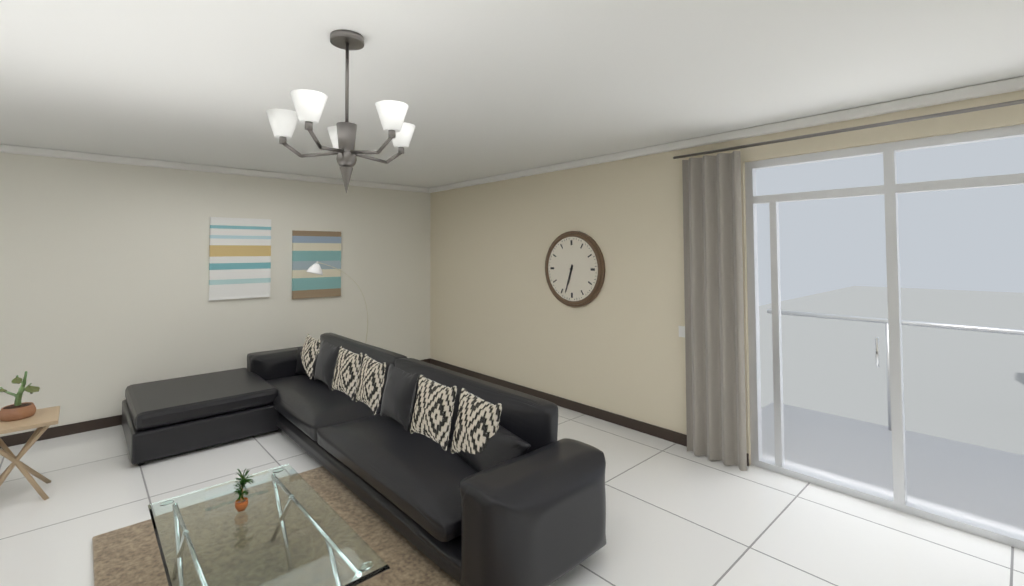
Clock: 6:33
